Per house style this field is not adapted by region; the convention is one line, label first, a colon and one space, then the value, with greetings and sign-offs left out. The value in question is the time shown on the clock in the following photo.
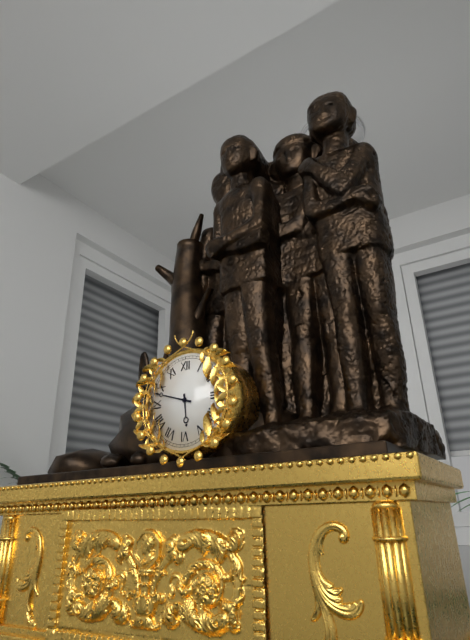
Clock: 5:48
